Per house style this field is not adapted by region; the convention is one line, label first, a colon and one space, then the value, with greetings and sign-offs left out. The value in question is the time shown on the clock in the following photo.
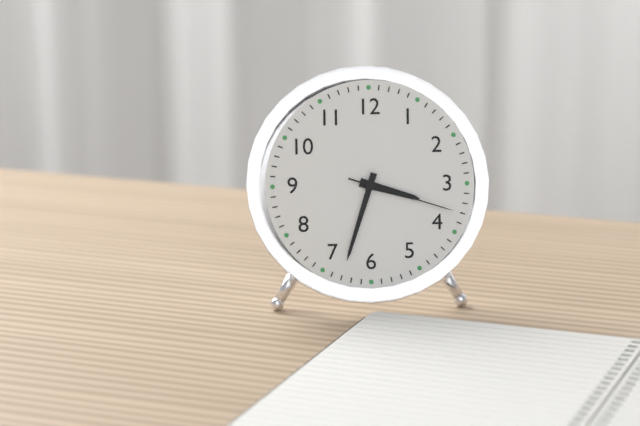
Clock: 3:33:18
